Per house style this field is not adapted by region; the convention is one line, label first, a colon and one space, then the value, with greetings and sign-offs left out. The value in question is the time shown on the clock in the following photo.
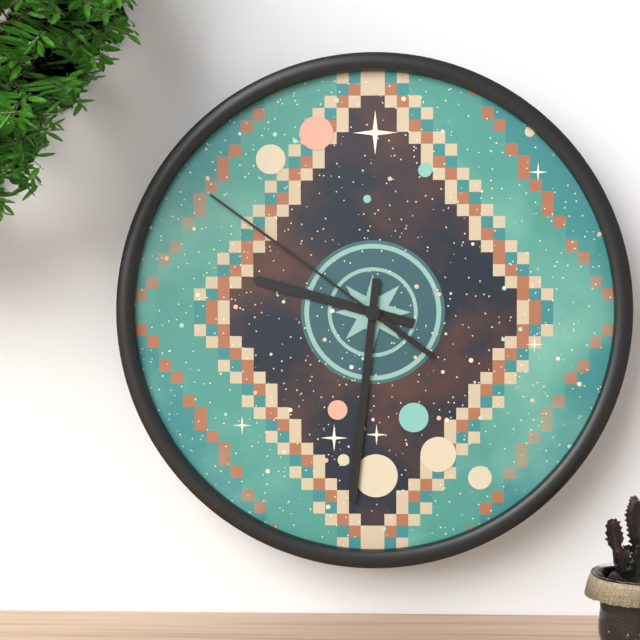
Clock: 9:31:51
